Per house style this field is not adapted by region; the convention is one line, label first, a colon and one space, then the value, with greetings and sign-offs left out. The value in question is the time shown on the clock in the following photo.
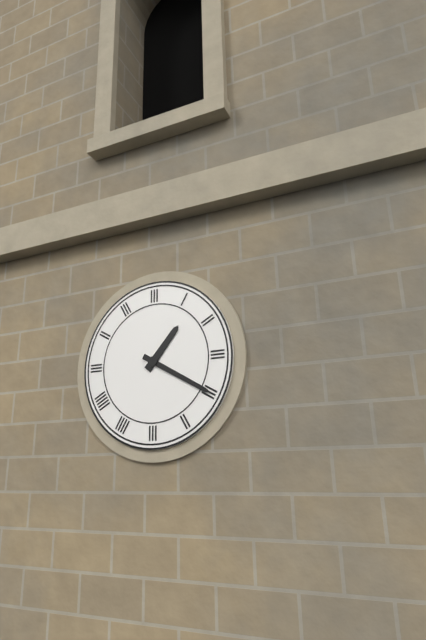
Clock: 1:20
